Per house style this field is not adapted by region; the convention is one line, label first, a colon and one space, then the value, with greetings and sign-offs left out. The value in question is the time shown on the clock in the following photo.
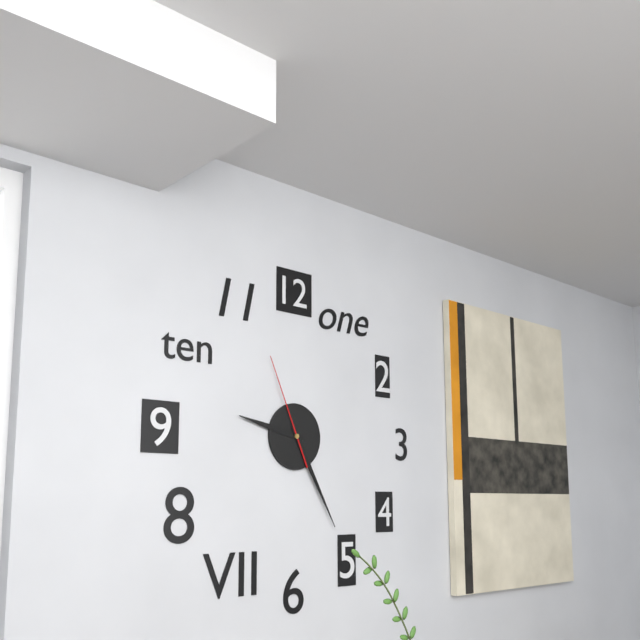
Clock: 9:25:56
